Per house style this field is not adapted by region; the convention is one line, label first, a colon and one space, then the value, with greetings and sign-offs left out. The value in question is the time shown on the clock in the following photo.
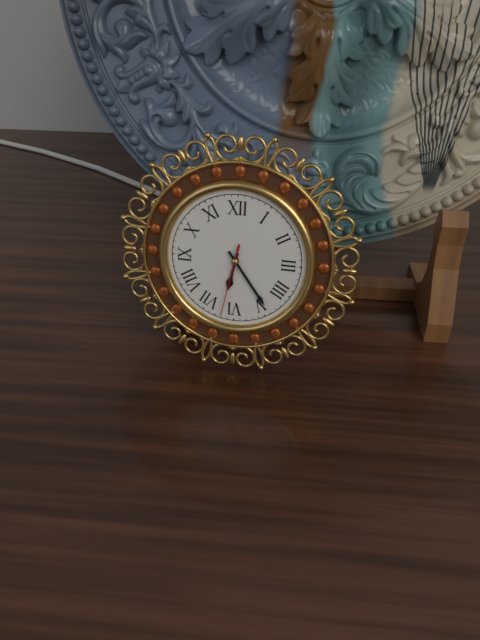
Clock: 6:24:32
